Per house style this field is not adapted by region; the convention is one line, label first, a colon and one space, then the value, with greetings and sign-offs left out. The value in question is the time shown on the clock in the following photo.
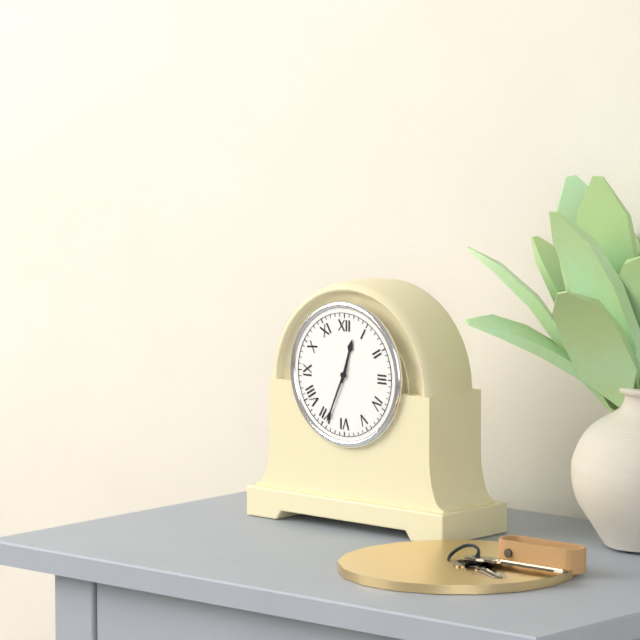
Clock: 12:34
